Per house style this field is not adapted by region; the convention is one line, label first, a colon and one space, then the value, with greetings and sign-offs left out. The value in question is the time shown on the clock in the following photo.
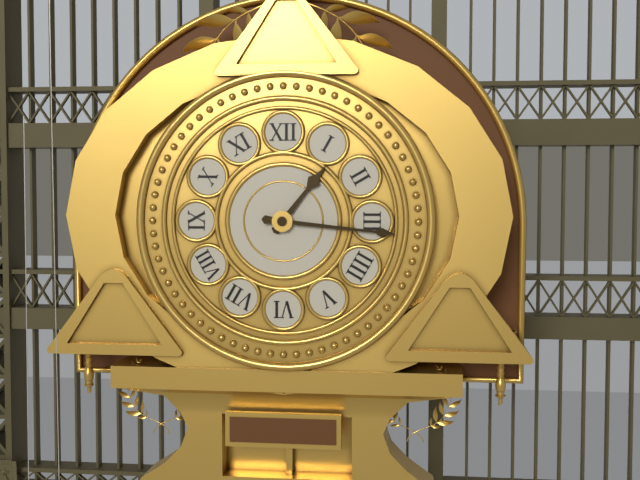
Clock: 1:16
